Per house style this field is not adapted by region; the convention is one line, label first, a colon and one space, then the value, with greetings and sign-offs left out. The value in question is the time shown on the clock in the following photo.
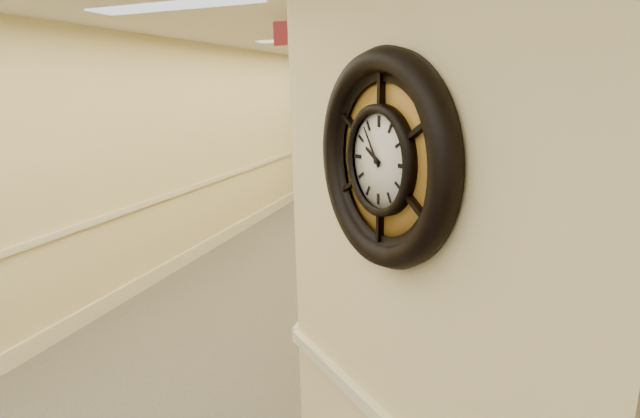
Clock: 9:54
